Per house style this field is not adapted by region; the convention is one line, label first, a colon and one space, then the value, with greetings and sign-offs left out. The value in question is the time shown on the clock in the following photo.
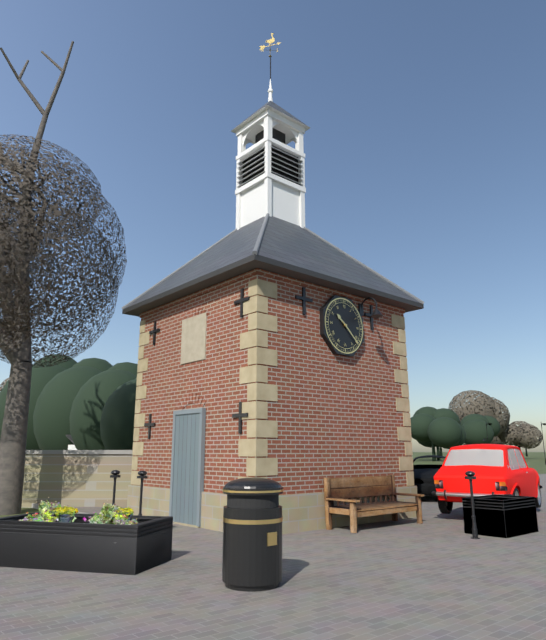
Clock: 10:22
